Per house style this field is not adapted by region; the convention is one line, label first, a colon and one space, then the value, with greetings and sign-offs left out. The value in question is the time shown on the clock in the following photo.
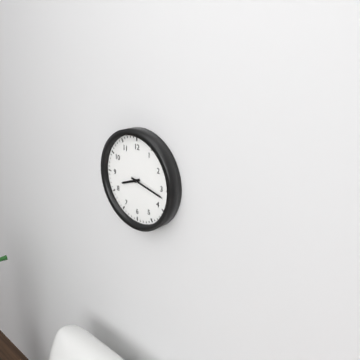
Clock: 8:17
